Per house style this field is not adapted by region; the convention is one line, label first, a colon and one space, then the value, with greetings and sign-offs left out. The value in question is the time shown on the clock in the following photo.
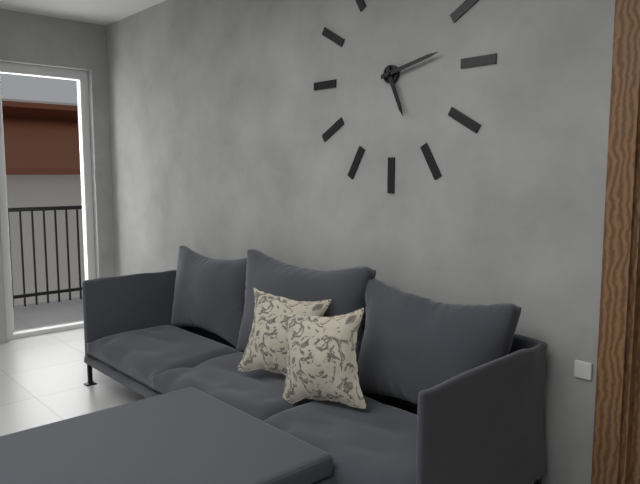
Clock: 5:13
